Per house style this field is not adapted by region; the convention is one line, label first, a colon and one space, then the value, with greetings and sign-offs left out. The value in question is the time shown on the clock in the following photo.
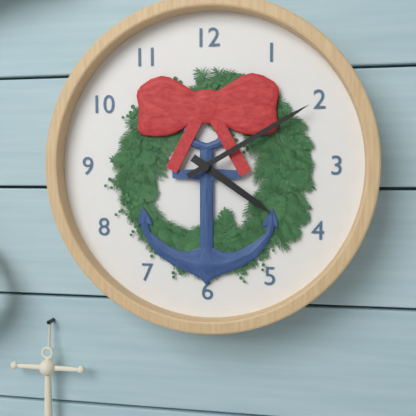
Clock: 4:10
